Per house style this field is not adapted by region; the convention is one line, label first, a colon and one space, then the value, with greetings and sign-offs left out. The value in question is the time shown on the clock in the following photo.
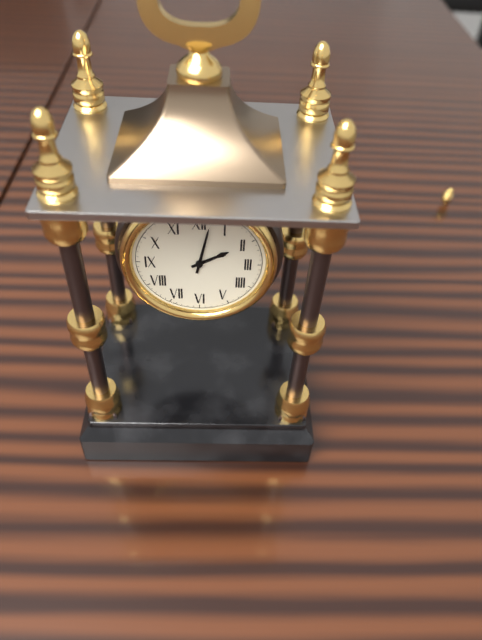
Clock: 2:02
